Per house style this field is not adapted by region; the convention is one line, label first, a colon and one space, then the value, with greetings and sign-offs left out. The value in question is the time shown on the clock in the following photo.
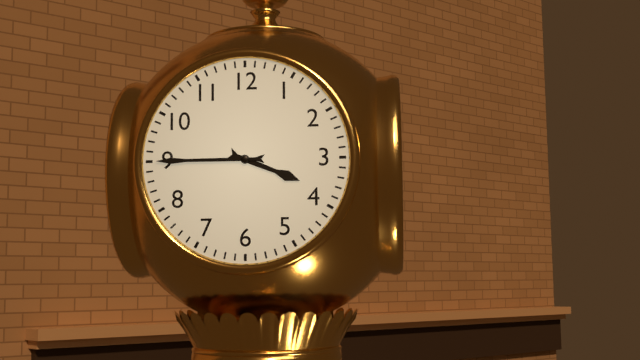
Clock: 3:45
